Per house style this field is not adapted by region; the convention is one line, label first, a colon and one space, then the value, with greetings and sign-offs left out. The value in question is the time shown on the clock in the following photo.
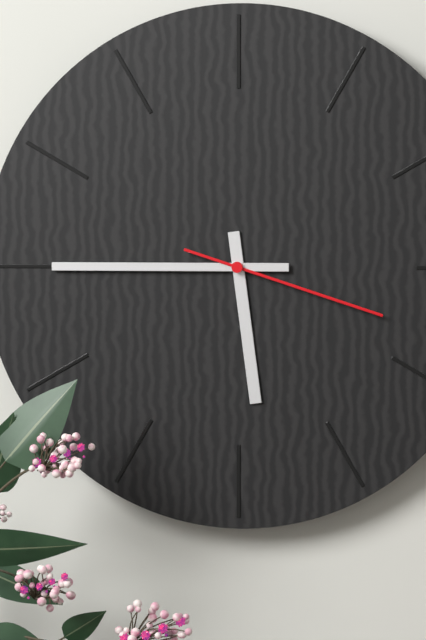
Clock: 5:45:18
